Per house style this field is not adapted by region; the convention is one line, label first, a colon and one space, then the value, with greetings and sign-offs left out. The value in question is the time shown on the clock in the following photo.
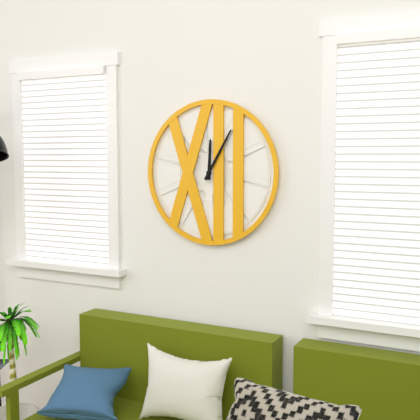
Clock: 12:05
